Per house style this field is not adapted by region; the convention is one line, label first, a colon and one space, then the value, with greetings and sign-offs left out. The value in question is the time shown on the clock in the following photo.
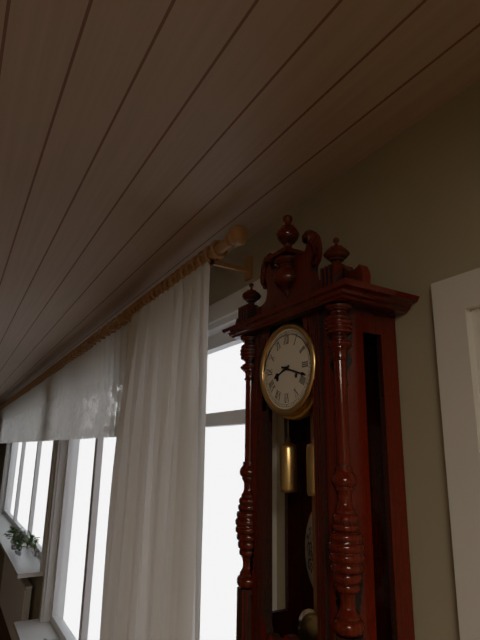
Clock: 8:18
